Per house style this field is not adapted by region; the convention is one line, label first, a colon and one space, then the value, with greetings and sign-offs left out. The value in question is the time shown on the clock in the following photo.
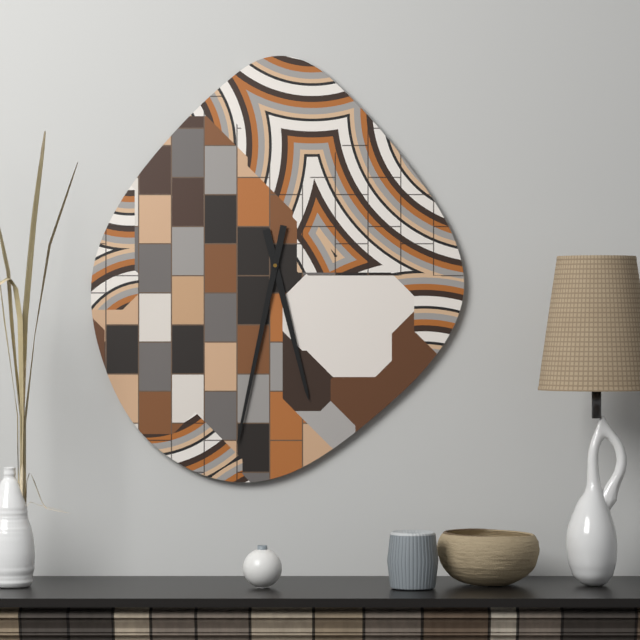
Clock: 5:32
